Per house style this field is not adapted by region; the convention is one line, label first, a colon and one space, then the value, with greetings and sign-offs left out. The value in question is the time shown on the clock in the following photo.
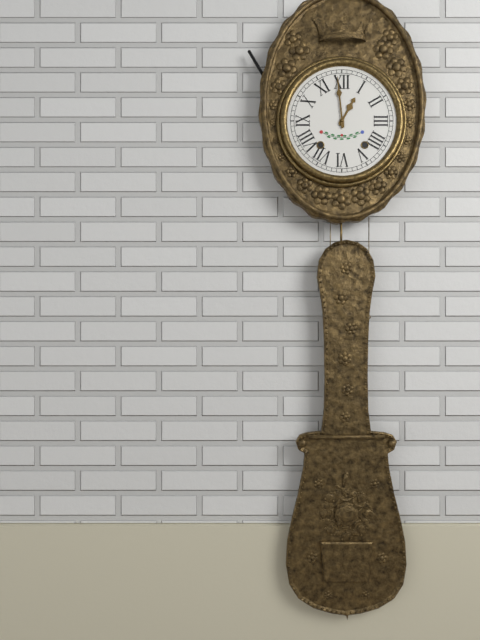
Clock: 12:59
